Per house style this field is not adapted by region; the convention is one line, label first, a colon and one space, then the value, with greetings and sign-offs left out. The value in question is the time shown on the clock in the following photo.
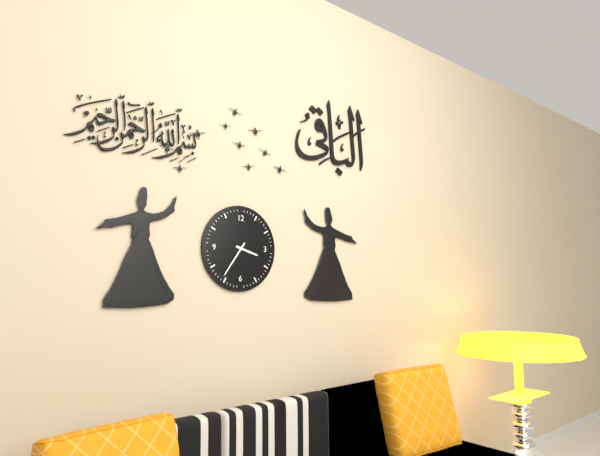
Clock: 3:36
